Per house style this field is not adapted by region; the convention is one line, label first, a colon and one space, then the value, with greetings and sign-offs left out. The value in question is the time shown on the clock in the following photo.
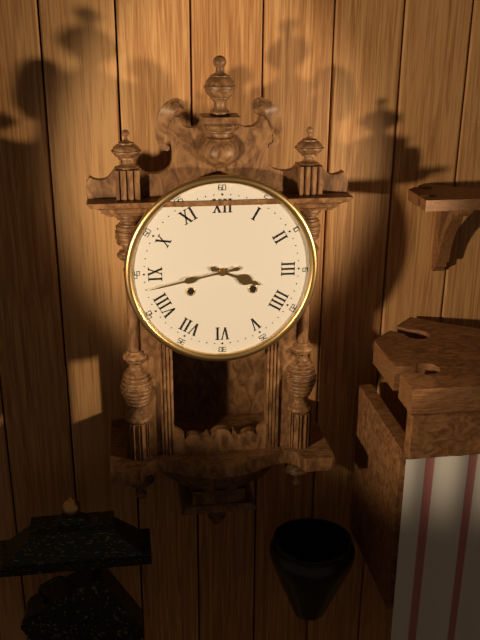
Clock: 3:43
